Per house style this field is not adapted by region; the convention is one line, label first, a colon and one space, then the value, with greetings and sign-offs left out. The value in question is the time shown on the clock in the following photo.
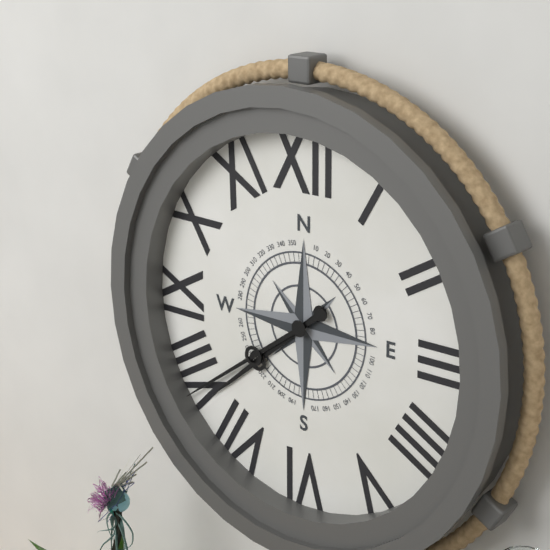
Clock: 7:39
